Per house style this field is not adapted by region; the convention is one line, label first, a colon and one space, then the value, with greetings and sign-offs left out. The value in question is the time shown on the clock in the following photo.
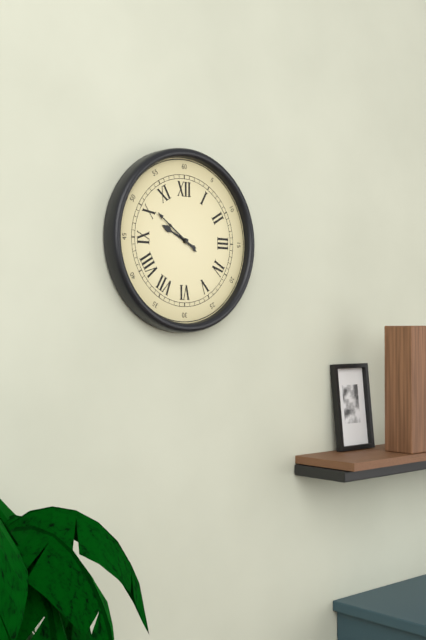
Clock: 9:51
